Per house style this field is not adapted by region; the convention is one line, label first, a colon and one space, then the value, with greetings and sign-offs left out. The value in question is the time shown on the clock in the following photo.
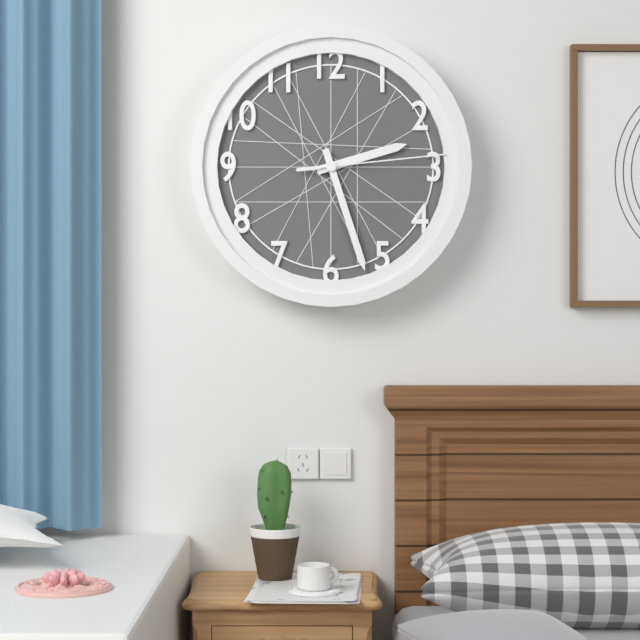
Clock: 2:27:14
